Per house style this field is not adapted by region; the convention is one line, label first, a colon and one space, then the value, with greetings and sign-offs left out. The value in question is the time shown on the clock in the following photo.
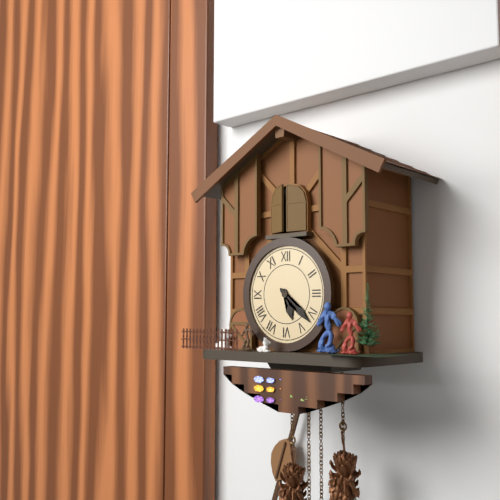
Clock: 5:22
